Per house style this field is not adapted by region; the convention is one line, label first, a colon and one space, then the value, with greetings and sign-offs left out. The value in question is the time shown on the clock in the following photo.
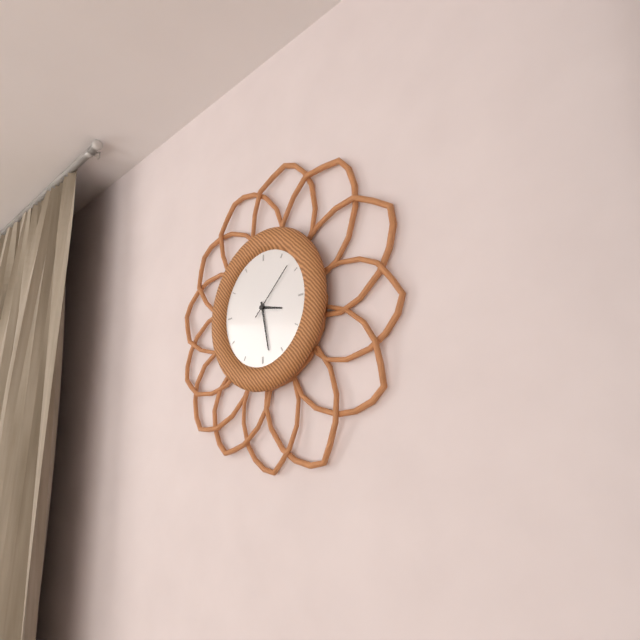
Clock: 3:28:08
